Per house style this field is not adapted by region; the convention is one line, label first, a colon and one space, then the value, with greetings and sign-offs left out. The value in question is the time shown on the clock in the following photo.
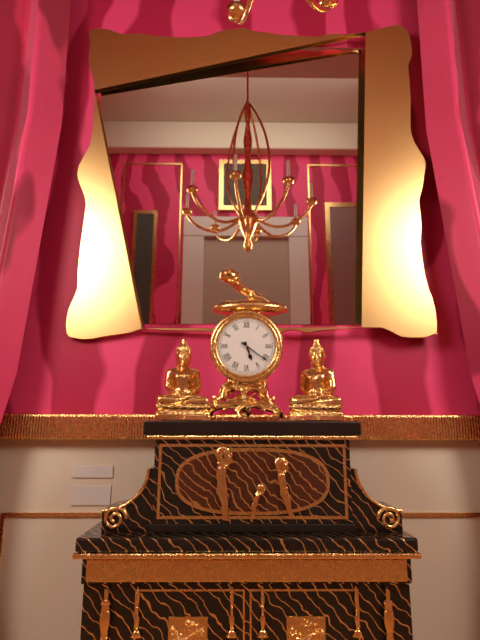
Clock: 5:21
